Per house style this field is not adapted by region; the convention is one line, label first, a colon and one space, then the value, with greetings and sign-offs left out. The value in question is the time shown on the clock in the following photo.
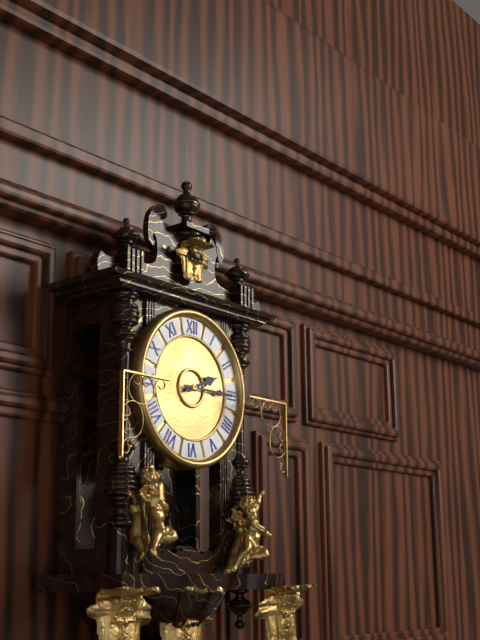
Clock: 2:15
